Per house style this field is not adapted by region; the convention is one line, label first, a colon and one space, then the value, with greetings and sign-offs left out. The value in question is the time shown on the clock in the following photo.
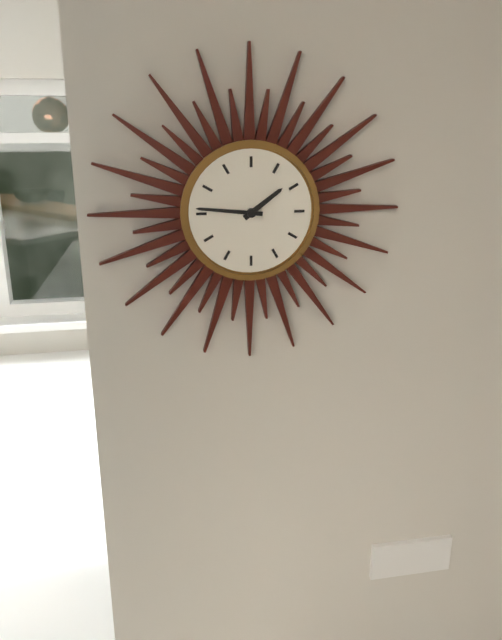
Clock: 1:46
